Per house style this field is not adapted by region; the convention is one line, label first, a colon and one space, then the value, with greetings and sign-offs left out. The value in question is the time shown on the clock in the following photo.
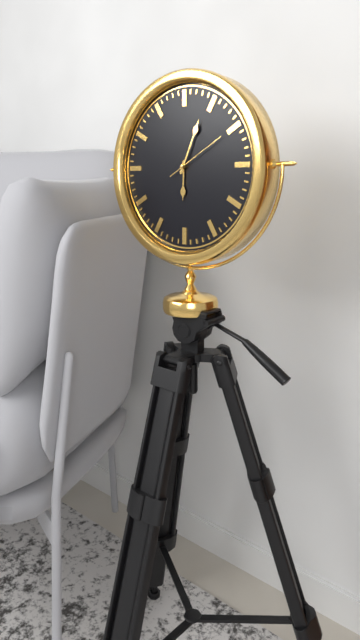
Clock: 6:04:10
